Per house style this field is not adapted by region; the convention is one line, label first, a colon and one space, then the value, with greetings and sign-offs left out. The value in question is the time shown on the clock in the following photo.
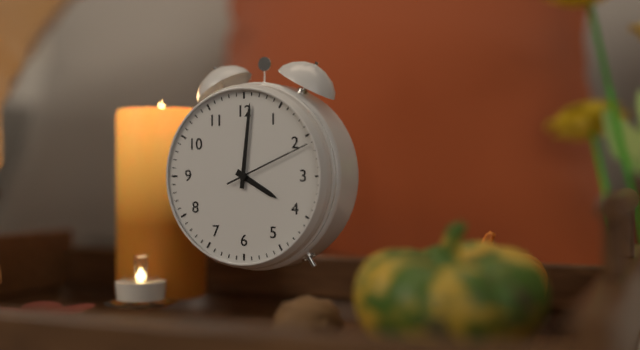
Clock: 4:01:11
